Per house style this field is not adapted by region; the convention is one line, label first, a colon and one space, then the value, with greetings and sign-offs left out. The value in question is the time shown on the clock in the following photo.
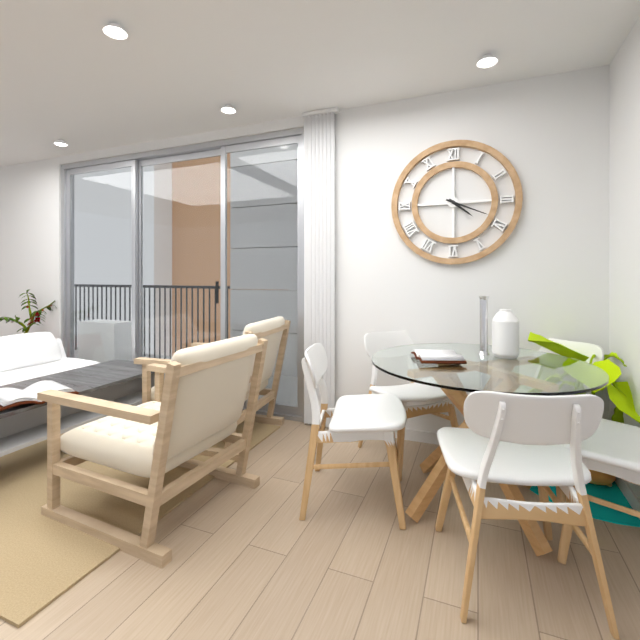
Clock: 4:19
